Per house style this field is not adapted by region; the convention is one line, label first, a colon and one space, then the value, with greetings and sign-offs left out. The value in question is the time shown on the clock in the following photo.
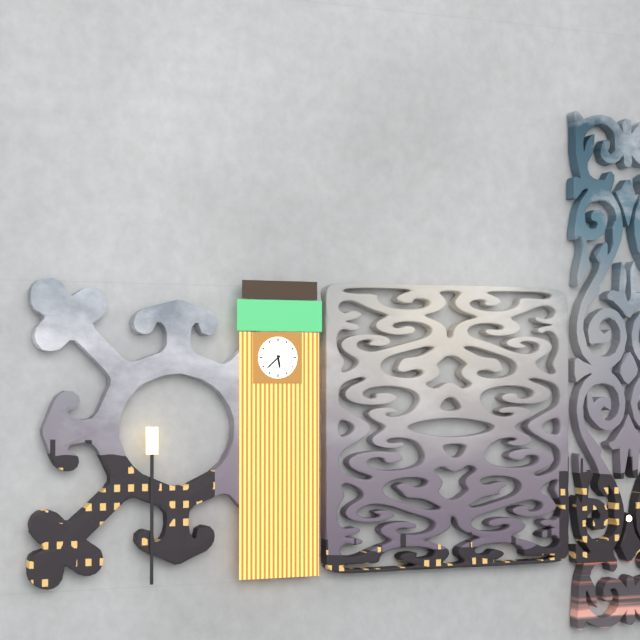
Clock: 5:38
